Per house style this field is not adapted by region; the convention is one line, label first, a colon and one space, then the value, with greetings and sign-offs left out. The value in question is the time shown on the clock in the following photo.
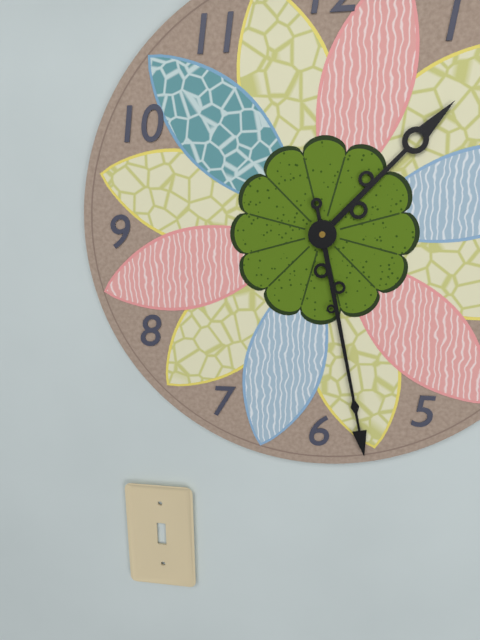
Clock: 1:28
